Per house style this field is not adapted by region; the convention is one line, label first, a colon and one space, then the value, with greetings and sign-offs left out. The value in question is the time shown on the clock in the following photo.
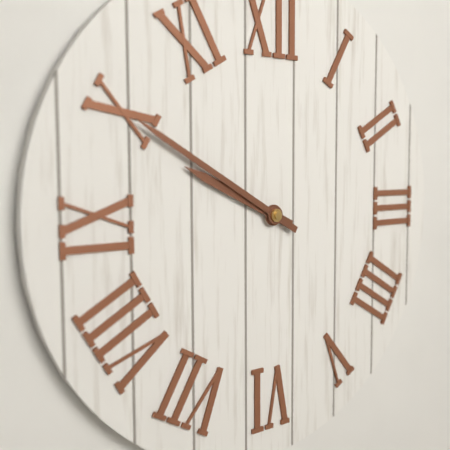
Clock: 9:50
